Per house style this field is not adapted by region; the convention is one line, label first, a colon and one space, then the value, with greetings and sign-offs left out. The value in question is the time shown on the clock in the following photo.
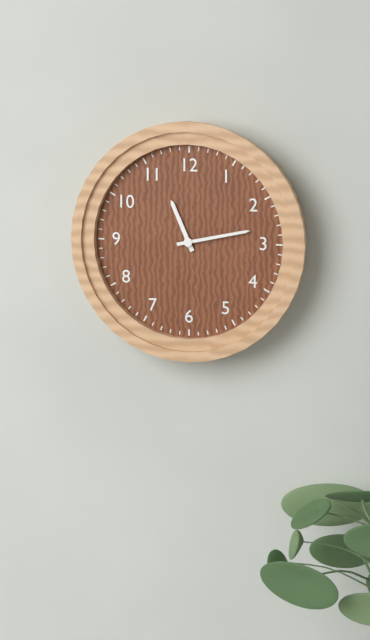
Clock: 11:13
